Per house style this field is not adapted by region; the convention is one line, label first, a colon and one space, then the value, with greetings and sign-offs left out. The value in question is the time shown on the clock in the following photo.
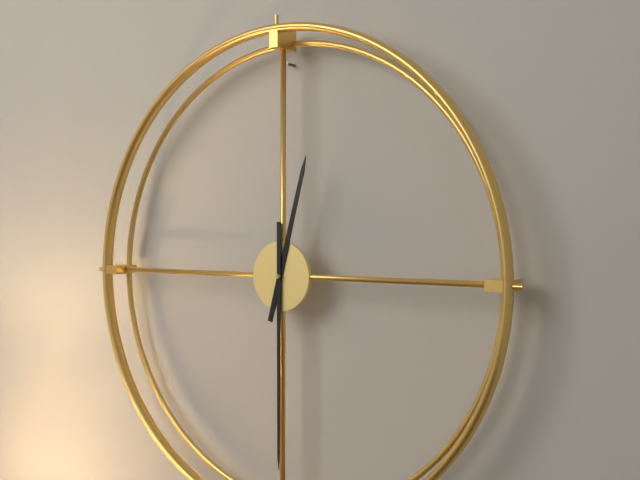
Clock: 12:30
